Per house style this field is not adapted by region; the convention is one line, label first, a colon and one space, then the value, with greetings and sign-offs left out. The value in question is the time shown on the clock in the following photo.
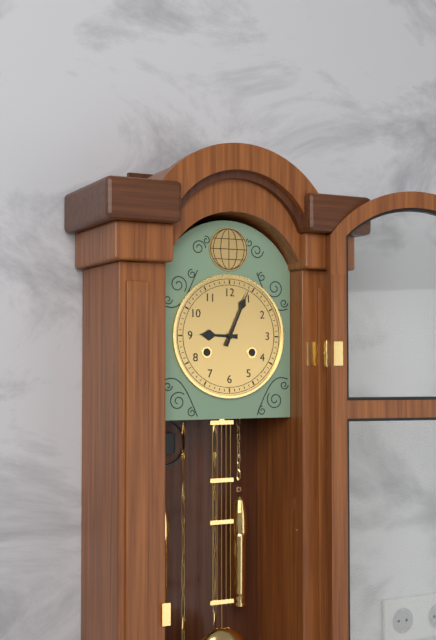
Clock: 9:04
